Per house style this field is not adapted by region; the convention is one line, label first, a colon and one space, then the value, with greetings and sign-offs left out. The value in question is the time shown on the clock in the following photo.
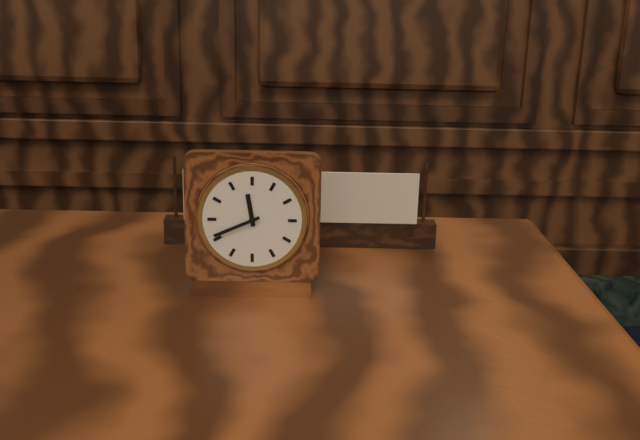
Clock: 11:41
